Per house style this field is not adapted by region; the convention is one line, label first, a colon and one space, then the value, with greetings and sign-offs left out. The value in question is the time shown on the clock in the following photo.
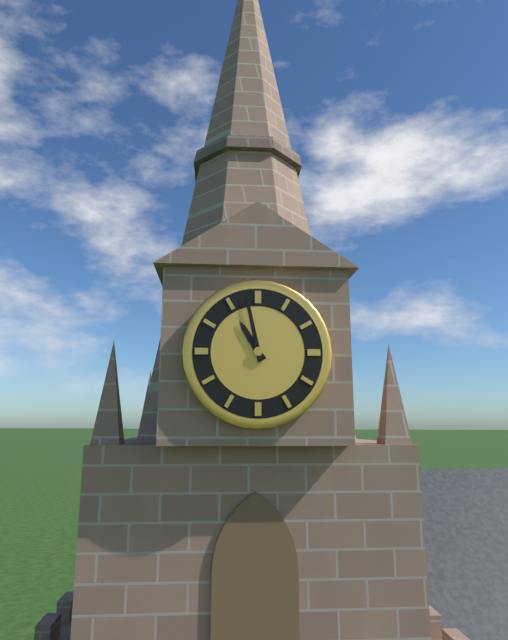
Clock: 10:58
